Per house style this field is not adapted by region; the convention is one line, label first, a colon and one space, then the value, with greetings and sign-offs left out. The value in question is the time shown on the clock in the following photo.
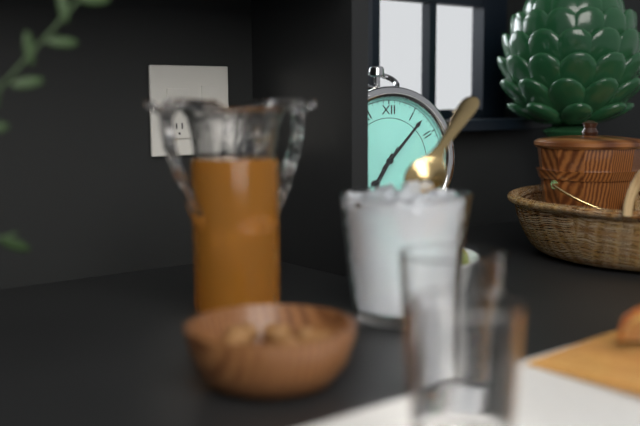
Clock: 7:07
